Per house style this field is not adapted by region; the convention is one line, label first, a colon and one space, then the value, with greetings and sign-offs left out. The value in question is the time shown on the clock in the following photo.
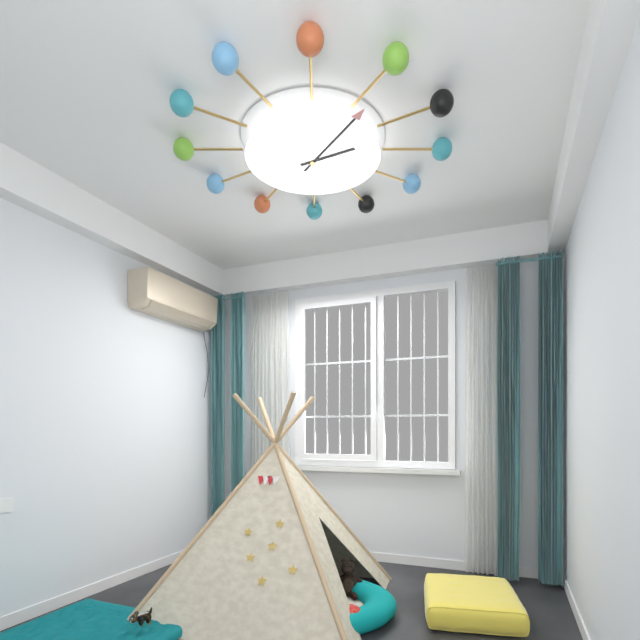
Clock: 2:05
